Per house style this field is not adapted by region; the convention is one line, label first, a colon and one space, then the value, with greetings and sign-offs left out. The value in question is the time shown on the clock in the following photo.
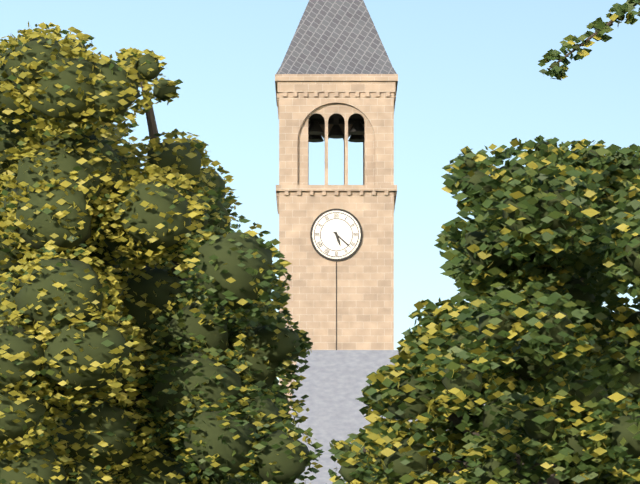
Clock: 5:22
